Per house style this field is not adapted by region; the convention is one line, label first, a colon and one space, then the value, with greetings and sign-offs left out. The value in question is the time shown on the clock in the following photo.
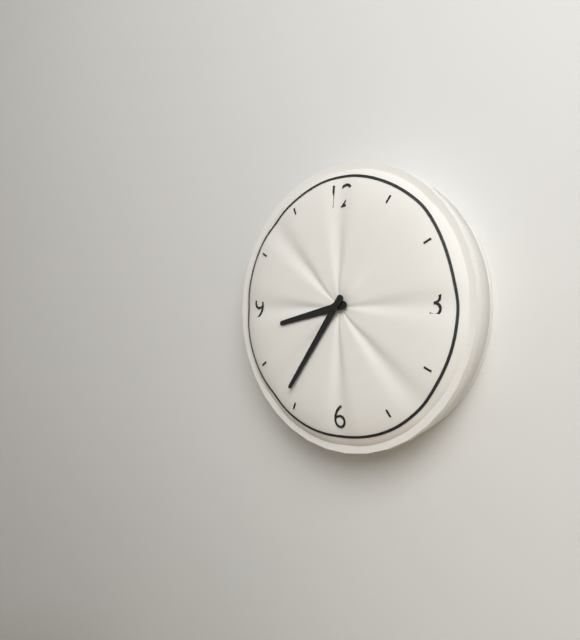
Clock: 8:36
